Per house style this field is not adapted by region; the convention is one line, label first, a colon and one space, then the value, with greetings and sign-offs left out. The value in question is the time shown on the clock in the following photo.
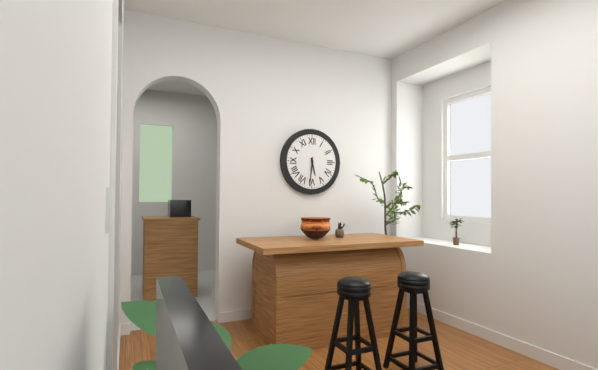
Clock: 5:31
